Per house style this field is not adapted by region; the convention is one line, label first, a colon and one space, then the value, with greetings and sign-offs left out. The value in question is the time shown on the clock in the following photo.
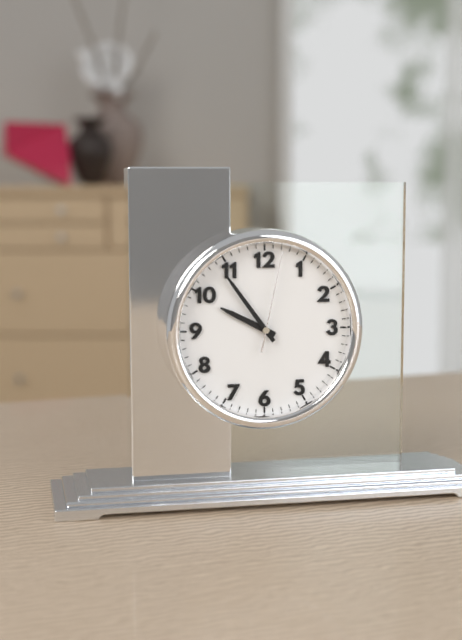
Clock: 9:54:02
